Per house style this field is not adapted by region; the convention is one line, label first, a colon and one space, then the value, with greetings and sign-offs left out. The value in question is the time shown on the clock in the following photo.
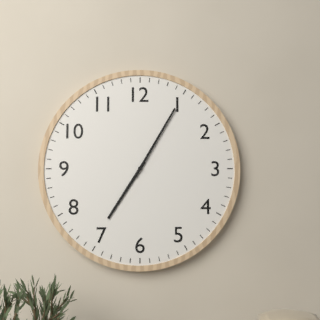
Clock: 7:05
